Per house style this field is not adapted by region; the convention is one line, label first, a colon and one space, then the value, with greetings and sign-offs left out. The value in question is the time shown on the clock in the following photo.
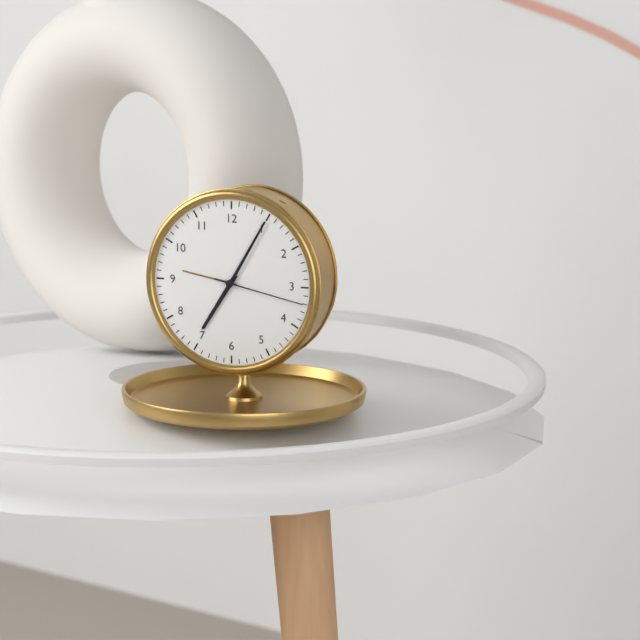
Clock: 7:05:17
